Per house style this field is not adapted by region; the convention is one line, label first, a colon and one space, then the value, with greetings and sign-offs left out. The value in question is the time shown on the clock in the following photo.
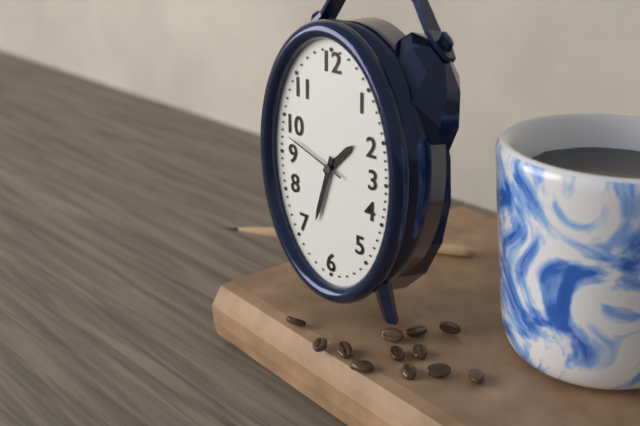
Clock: 1:33:48
